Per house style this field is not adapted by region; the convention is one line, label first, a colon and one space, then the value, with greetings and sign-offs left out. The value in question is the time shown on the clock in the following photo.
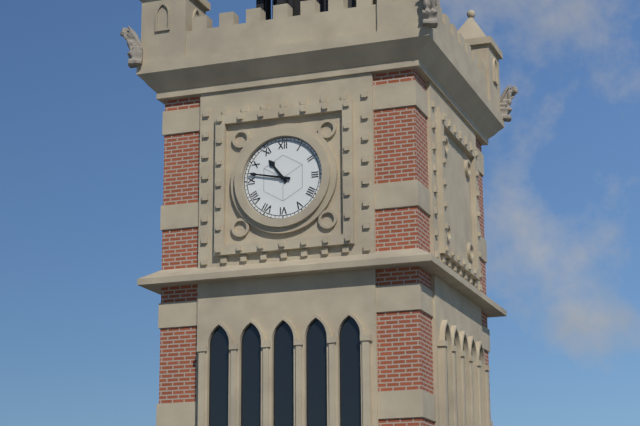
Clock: 10:47
